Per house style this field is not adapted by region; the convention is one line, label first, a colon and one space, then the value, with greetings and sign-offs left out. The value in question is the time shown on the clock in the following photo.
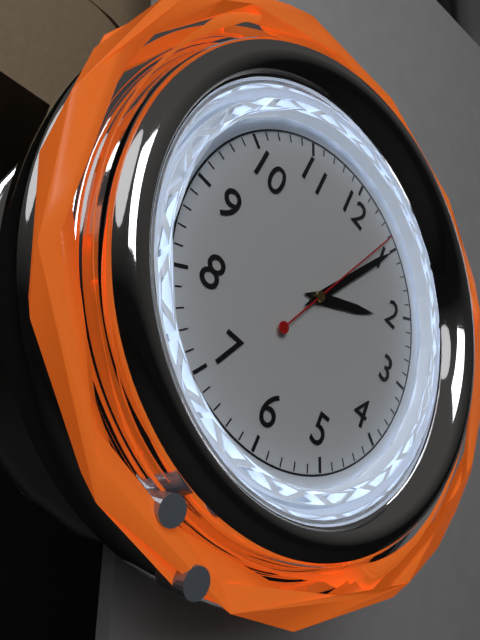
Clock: 2:05:04
